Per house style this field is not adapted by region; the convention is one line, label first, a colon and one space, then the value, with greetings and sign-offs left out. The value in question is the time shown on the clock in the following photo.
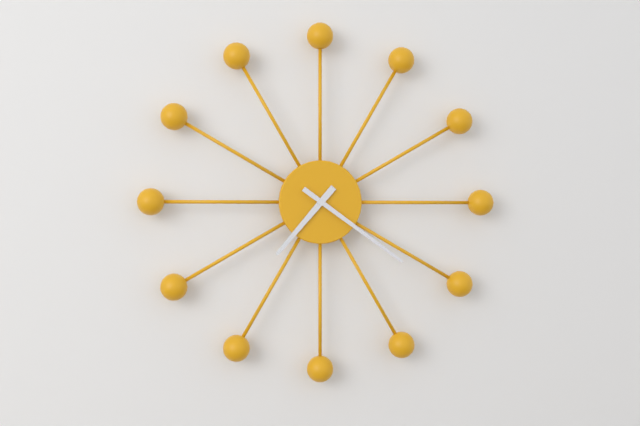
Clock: 7:21
